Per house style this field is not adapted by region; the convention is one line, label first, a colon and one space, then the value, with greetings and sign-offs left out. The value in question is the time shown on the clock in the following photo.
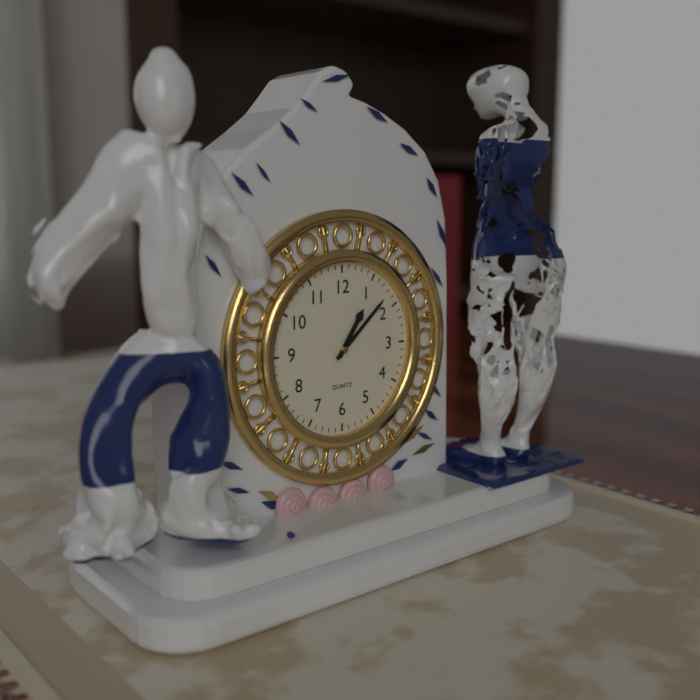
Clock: 1:08
